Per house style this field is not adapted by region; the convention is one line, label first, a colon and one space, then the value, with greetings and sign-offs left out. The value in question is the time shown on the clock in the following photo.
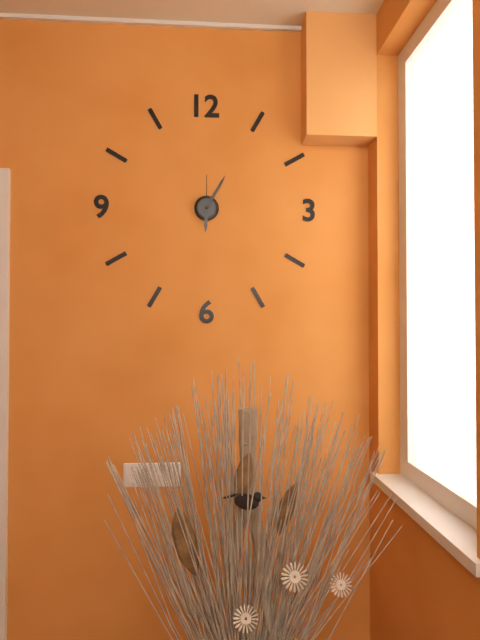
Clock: 6:05
